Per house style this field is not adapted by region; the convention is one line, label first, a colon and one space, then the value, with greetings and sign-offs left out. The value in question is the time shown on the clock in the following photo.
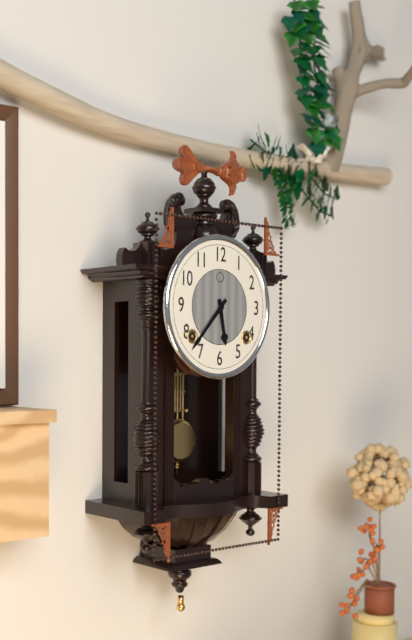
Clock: 5:37
